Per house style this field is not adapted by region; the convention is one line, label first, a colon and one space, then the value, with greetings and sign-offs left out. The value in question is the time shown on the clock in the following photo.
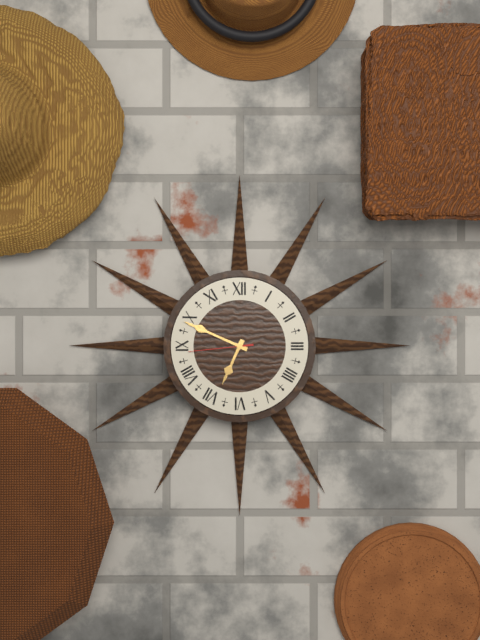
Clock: 6:49:44
